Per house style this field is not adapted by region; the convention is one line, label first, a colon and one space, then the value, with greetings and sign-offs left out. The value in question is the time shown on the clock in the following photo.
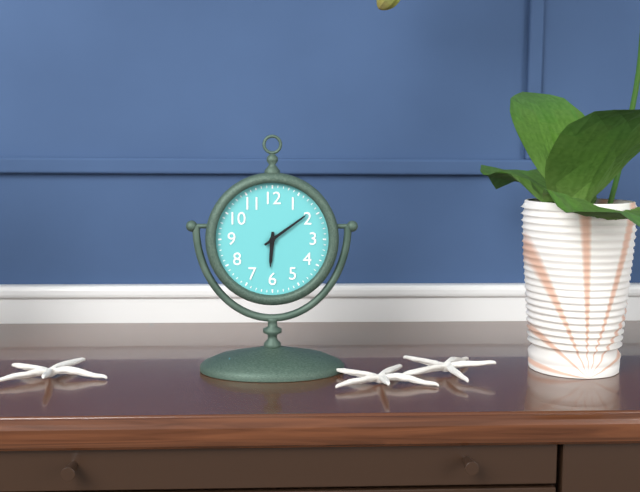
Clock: 6:09
